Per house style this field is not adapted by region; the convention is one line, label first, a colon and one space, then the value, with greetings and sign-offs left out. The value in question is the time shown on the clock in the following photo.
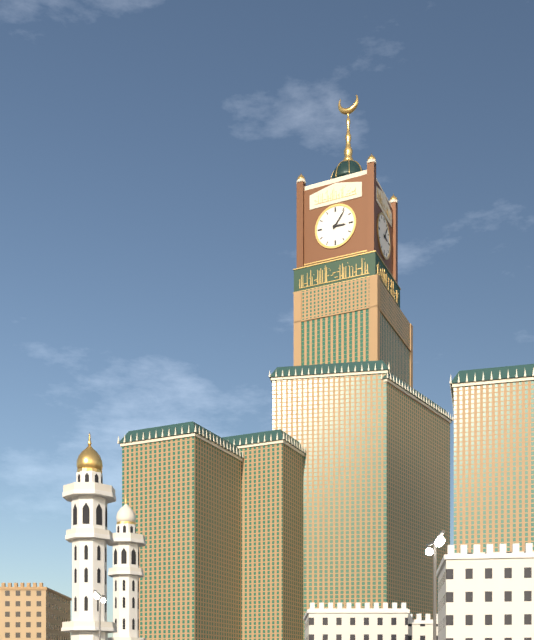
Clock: 3:06
